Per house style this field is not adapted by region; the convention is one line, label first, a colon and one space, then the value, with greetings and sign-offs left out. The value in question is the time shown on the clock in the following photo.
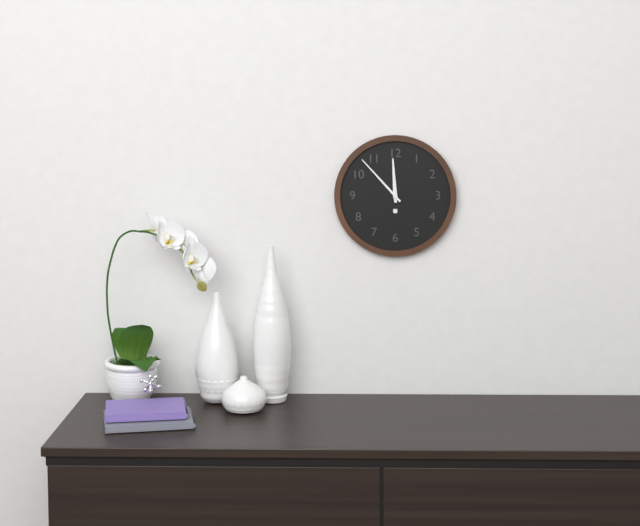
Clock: 11:53
